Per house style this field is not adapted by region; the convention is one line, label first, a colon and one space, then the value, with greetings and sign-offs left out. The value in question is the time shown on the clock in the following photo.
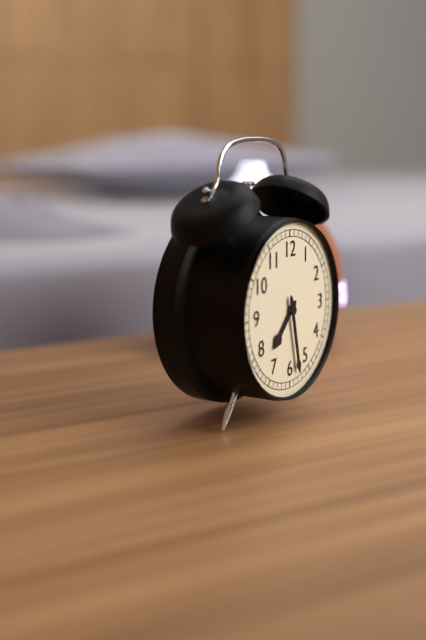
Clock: 7:28
